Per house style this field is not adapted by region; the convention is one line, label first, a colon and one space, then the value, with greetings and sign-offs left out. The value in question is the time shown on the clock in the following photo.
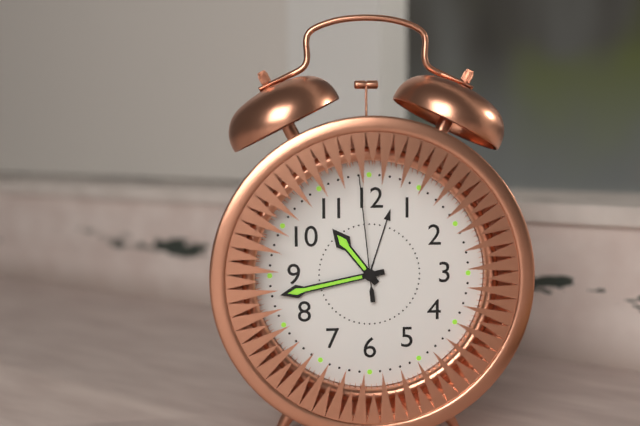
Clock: 10:43:59
